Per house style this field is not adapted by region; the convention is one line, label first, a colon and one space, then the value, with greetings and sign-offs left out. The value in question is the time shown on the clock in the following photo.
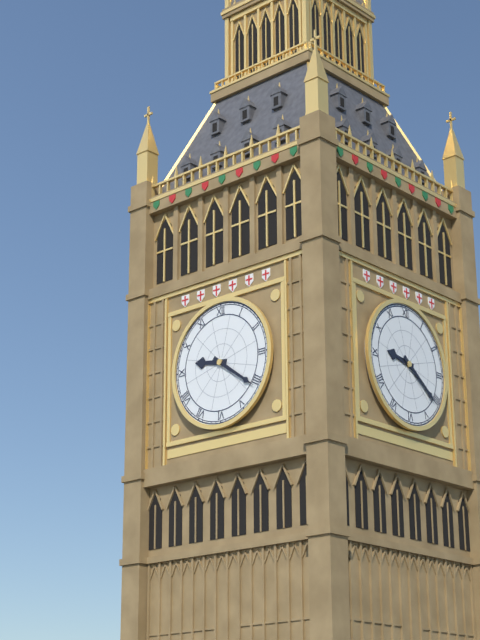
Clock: 9:21
